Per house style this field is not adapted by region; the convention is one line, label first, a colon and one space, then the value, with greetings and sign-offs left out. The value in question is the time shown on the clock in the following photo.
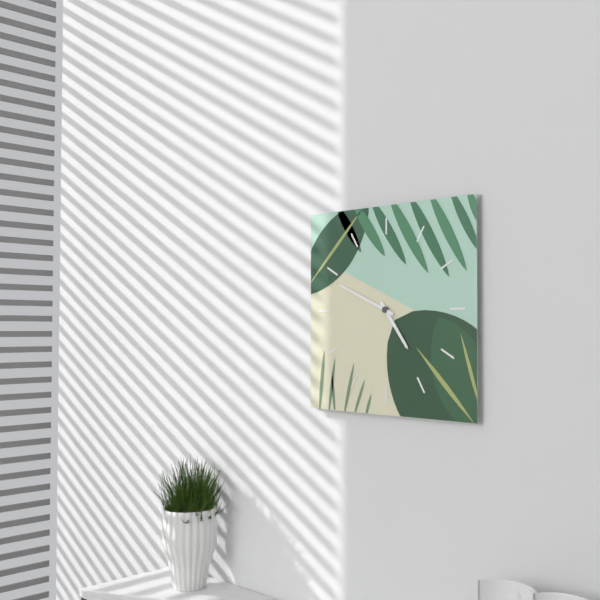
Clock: 4:49
